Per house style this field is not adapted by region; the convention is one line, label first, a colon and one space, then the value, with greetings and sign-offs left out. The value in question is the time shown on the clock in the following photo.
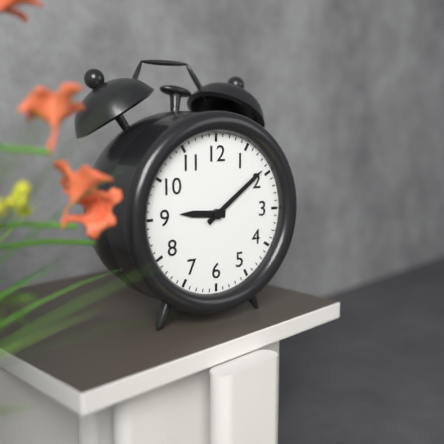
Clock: 9:09
